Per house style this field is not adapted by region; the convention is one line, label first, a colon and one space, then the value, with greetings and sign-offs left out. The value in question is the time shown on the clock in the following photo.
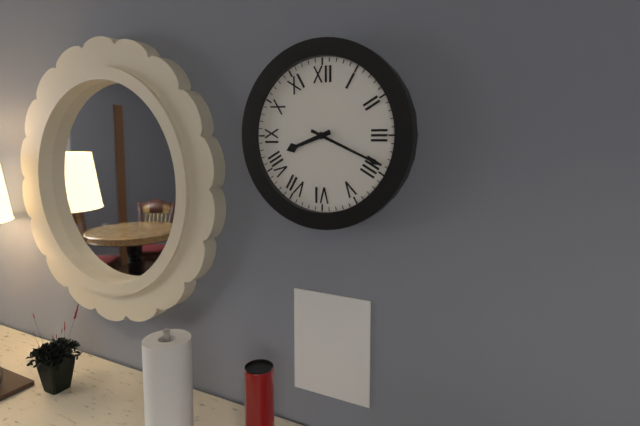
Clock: 8:19
